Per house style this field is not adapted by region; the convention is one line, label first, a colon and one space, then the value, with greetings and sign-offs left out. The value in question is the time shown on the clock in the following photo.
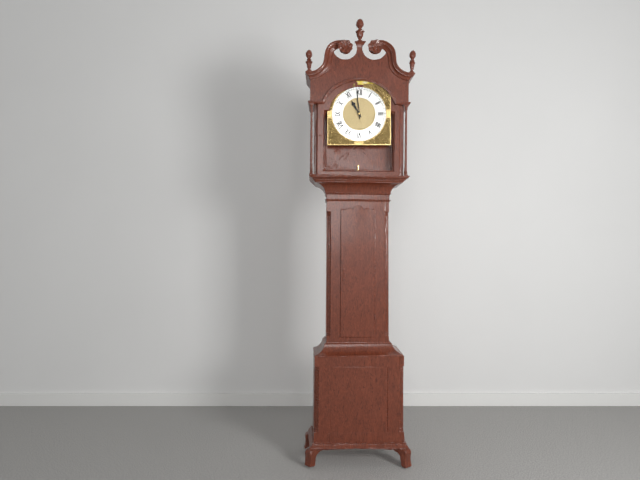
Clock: 10:59
